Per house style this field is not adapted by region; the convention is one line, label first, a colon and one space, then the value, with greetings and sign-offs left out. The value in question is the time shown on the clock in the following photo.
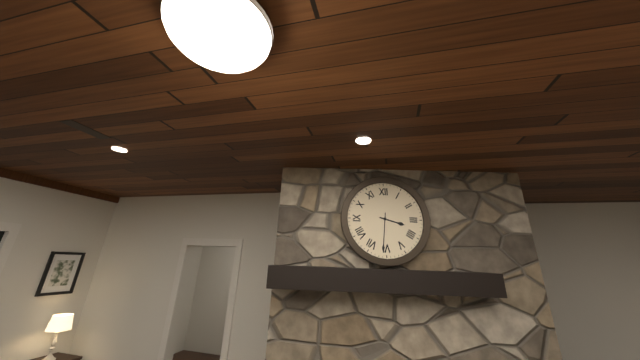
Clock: 3:31
